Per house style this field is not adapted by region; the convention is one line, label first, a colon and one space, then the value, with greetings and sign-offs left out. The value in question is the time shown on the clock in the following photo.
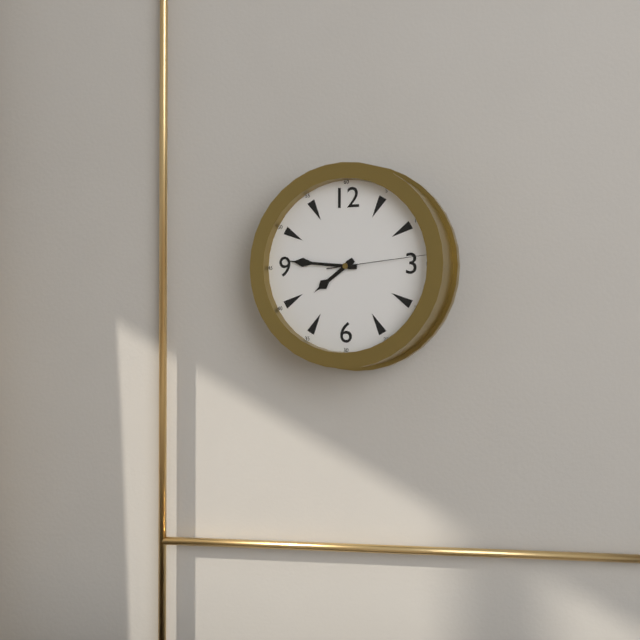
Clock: 7:46:14
